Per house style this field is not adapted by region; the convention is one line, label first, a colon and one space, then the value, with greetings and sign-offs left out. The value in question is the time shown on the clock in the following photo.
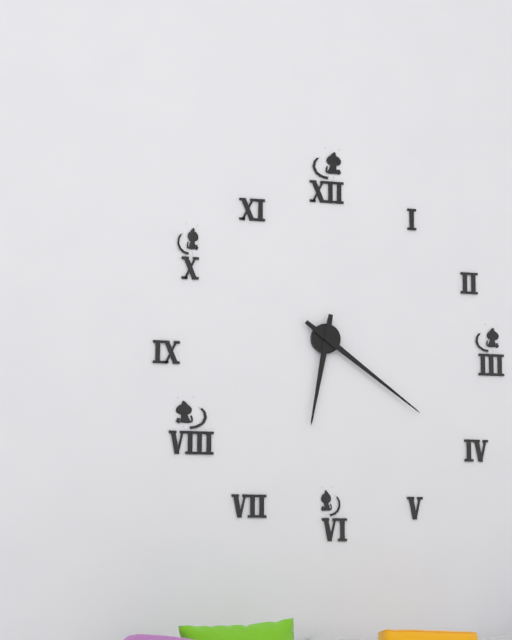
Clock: 6:21
